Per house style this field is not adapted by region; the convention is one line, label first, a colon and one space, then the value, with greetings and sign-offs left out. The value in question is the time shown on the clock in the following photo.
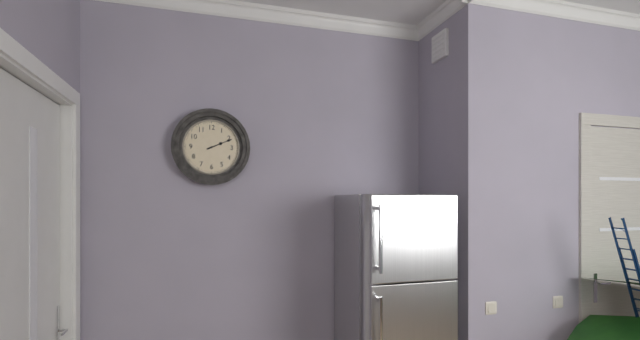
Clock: 2:11
